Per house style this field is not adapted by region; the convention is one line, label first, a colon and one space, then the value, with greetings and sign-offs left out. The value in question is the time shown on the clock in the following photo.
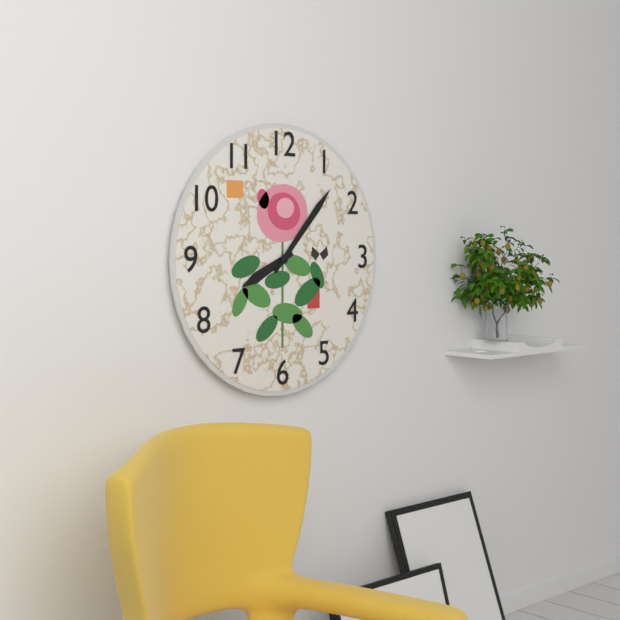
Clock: 8:07
